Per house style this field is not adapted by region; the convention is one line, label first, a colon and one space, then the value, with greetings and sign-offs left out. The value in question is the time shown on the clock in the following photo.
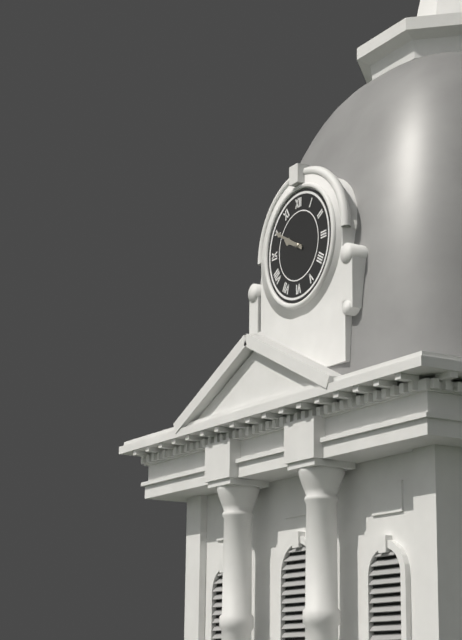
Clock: 9:50
